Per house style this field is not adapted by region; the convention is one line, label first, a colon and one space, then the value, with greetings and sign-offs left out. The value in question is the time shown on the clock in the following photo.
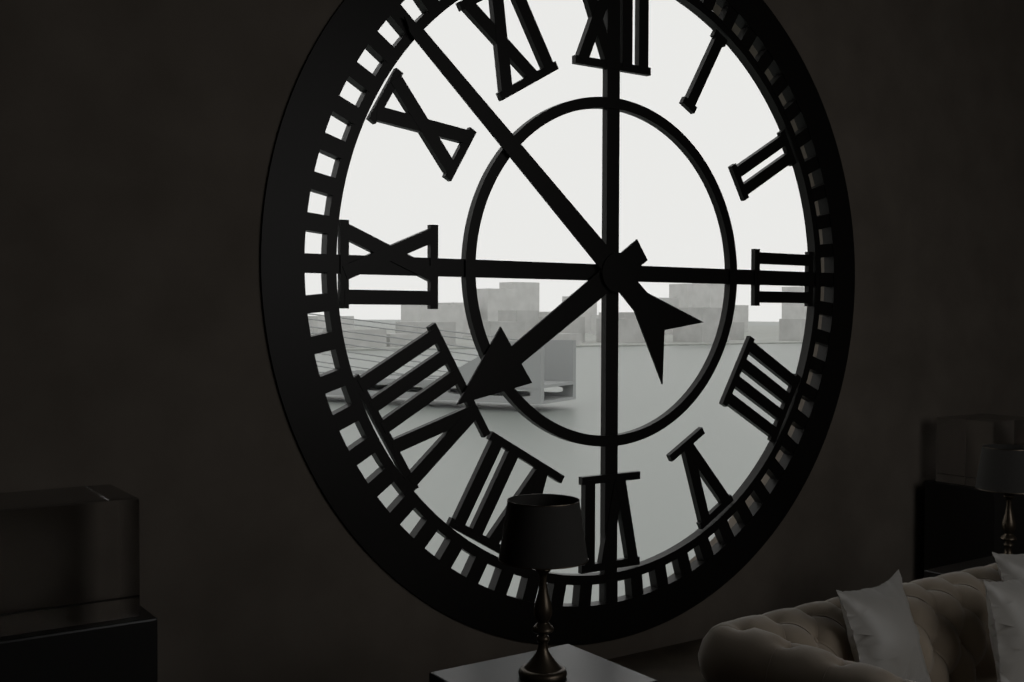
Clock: 7:52
